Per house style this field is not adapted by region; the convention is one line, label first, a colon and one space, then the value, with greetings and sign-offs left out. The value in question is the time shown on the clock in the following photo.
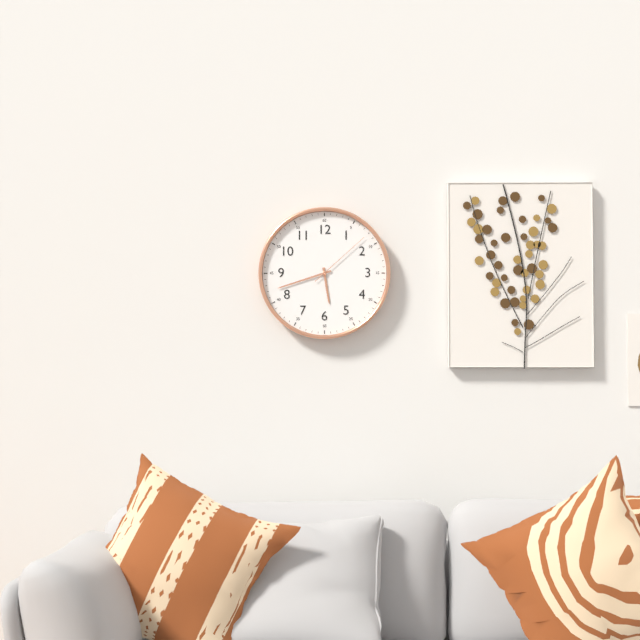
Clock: 5:42:08
